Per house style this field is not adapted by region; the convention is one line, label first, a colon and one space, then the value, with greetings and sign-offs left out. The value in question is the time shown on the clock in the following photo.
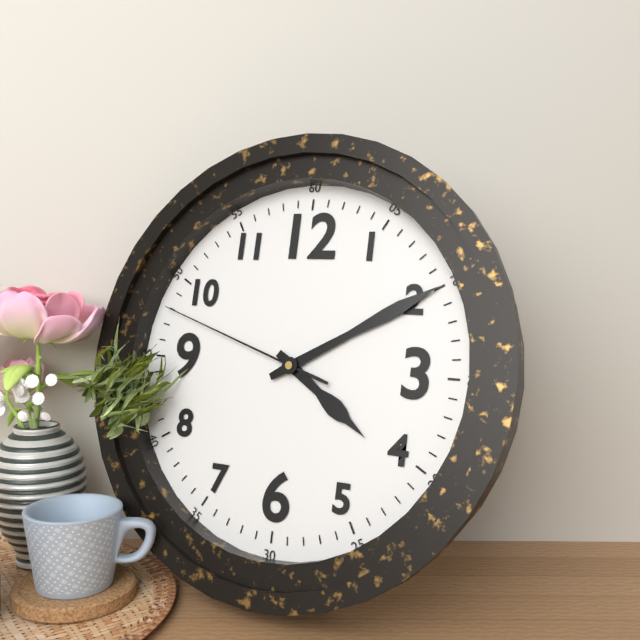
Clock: 4:10:48
